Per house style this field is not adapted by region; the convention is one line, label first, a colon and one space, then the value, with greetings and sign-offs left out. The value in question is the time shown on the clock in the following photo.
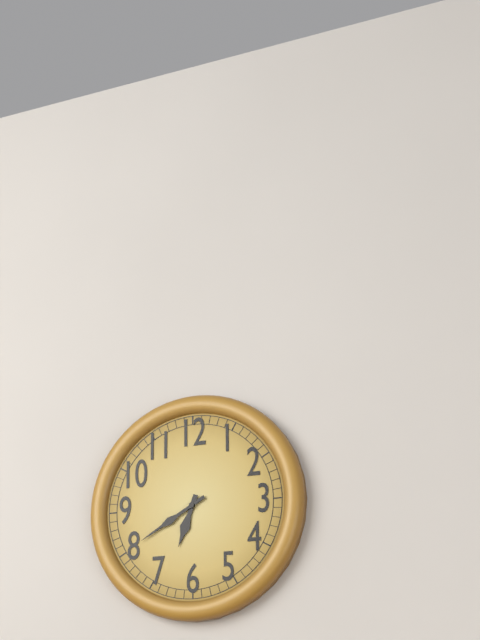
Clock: 6:40
